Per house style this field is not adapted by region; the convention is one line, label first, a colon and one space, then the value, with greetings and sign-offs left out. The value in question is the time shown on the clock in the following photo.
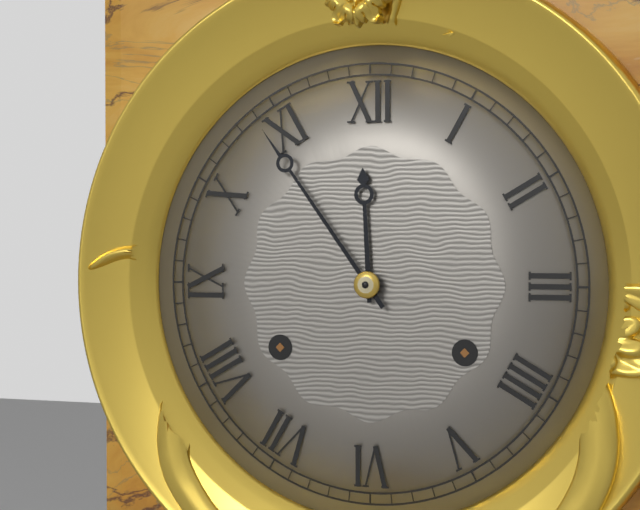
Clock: 11:54
